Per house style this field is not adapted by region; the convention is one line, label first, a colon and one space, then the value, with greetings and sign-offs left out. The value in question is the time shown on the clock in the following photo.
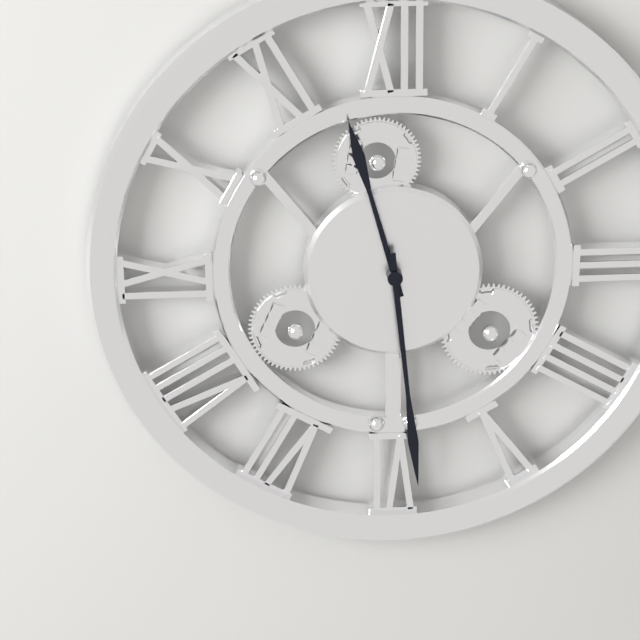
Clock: 11:29
